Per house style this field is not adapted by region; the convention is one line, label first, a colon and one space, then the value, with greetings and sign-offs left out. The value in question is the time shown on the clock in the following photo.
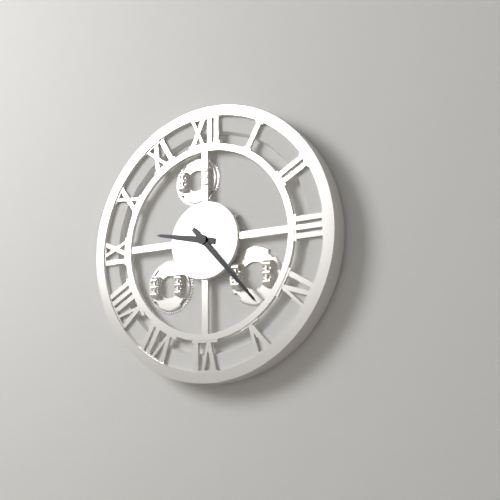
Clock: 9:23
